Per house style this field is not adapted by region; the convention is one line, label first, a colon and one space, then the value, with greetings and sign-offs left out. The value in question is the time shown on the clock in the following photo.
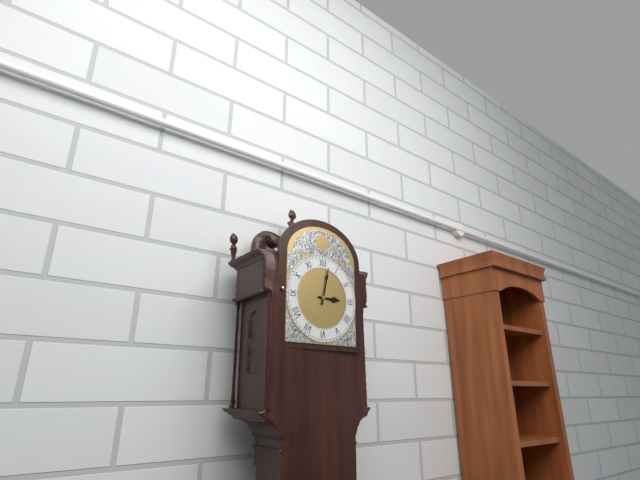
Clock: 3:02
